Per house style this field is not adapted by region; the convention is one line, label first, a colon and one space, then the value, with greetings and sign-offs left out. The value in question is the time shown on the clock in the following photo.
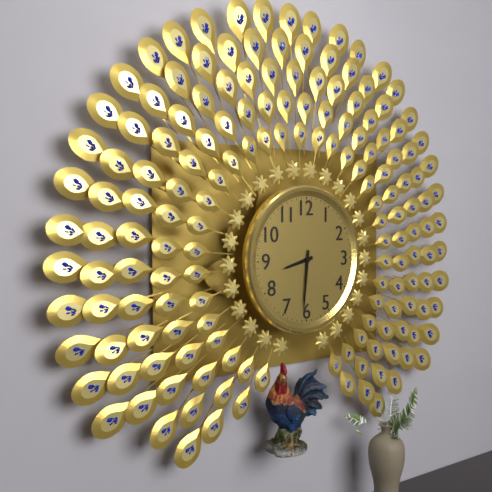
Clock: 8:31
